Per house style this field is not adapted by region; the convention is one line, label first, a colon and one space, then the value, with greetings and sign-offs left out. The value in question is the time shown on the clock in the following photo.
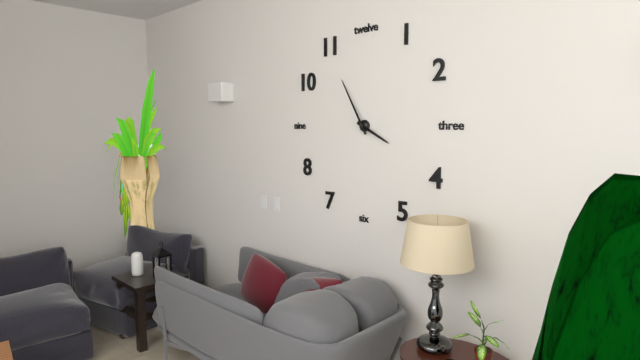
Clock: 3:55
